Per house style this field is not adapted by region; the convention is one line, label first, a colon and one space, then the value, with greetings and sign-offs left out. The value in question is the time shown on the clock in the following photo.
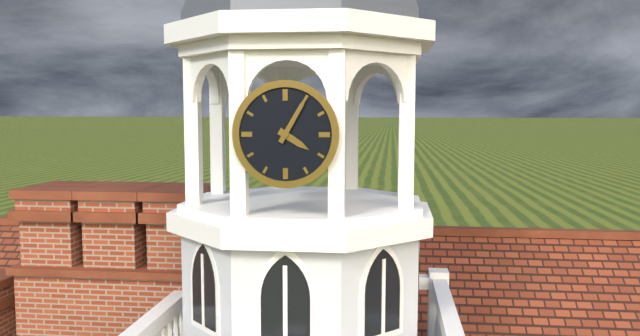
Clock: 4:05
